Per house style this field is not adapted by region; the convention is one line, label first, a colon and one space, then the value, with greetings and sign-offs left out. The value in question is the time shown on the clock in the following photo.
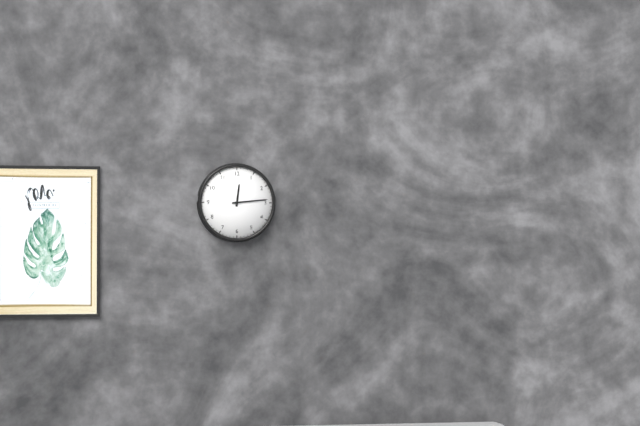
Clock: 12:14
